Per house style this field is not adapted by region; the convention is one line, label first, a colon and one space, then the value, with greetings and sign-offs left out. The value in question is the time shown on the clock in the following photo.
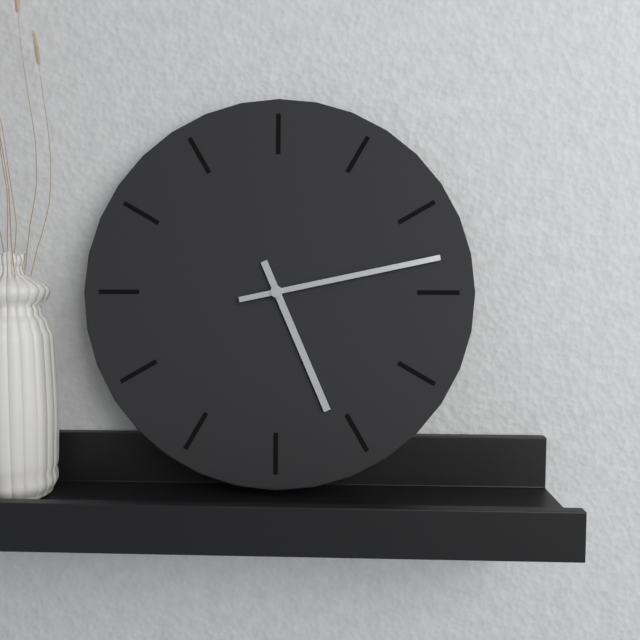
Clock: 5:13
